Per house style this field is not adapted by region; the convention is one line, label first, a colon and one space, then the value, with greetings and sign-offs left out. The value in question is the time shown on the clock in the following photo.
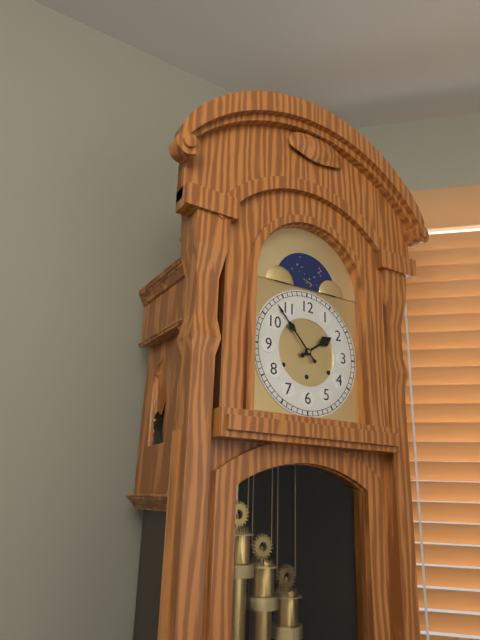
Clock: 1:53
